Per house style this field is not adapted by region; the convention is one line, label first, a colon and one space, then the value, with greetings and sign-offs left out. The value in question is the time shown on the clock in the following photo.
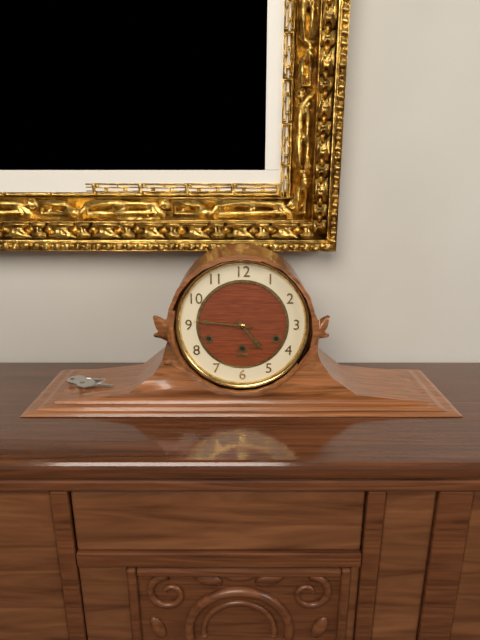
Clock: 4:46
